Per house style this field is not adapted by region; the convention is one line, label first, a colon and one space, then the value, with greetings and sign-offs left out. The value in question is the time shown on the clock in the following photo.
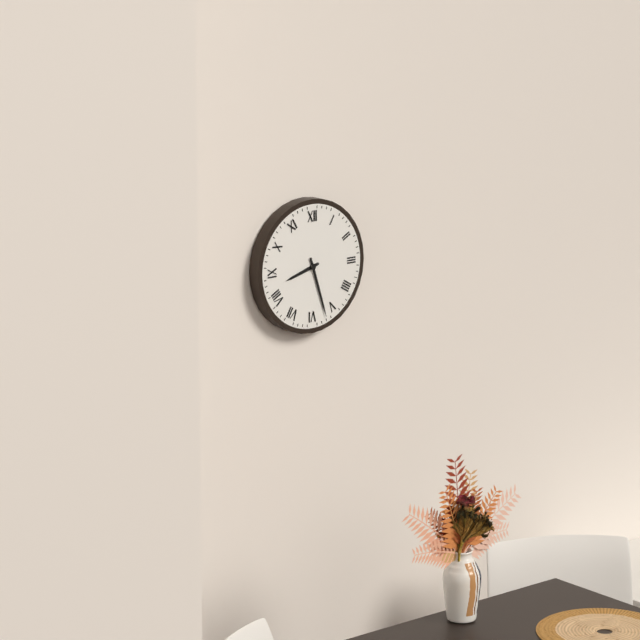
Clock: 8:27
